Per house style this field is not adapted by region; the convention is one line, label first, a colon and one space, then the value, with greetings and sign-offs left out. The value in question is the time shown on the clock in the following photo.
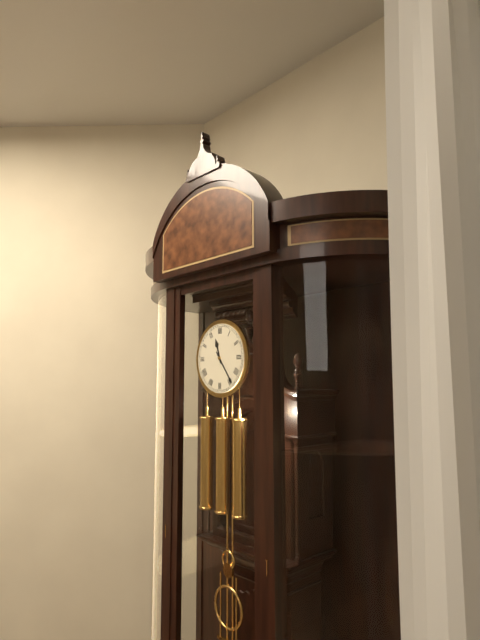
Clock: 11:24
